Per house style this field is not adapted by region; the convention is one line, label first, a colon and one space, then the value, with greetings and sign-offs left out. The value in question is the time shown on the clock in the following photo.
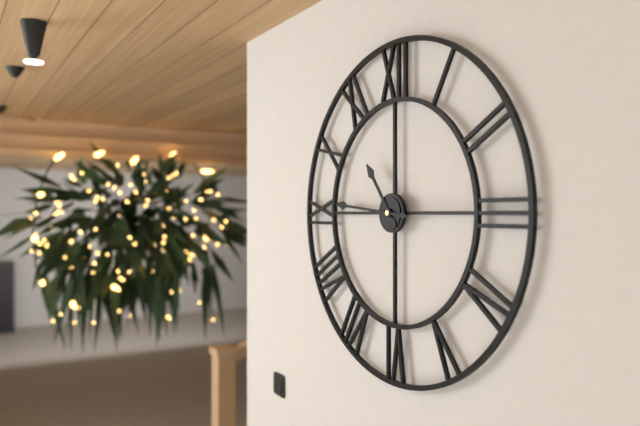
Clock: 10:46
